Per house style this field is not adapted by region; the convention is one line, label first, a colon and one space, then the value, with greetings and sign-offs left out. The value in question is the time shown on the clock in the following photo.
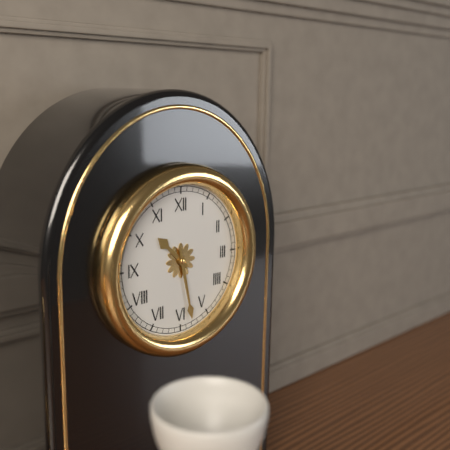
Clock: 10:28
